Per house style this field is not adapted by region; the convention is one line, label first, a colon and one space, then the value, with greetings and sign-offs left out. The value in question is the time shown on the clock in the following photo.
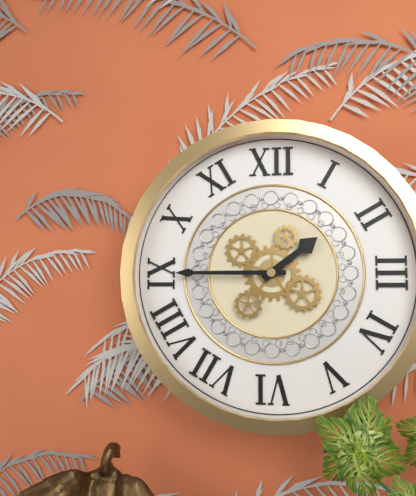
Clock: 1:45
